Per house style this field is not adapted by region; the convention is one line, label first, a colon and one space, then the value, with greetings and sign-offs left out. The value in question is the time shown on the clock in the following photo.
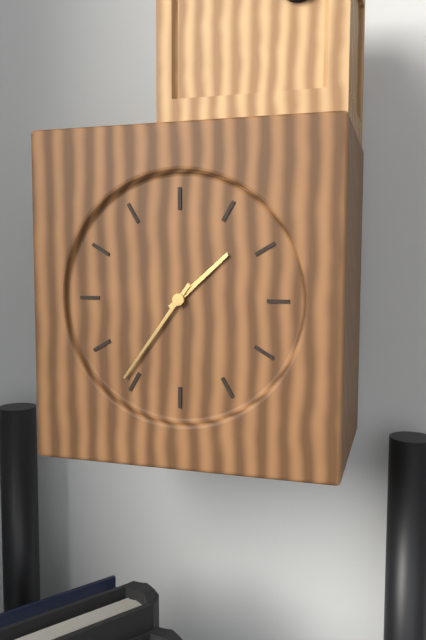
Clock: 1:36
